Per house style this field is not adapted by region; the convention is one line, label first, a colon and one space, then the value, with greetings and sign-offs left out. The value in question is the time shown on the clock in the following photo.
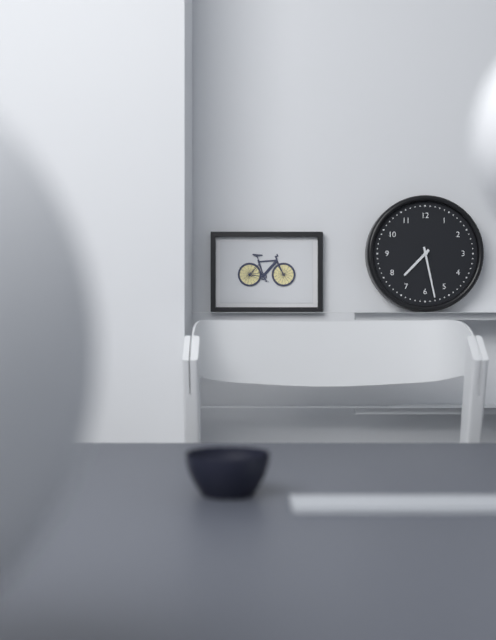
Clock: 7:28
